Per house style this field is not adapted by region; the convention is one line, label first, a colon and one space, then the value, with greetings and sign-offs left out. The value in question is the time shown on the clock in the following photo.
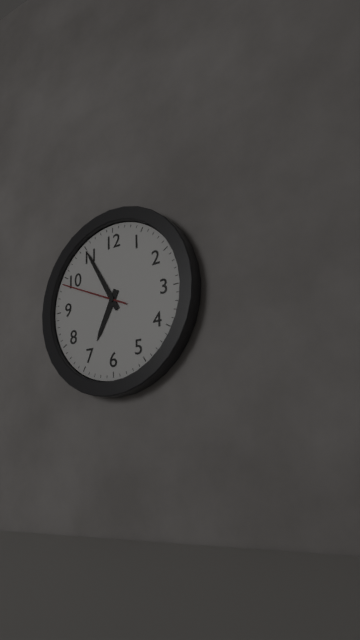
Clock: 6:55:49
